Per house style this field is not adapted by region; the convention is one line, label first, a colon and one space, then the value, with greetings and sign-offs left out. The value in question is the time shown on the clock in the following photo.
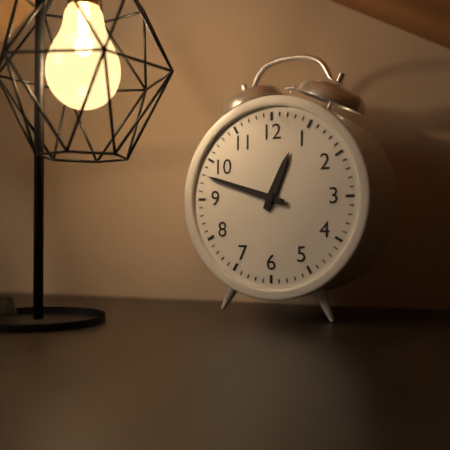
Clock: 12:48
